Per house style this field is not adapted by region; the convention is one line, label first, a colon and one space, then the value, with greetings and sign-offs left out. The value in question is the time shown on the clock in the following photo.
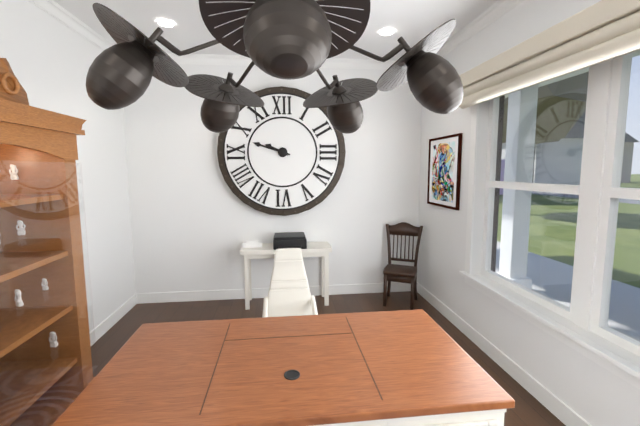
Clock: 9:48
